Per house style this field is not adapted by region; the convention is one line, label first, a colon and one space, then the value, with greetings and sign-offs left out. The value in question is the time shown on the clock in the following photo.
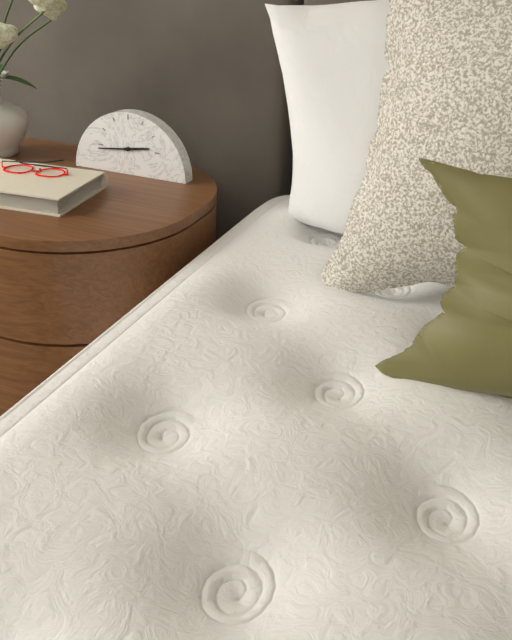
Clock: 2:44
